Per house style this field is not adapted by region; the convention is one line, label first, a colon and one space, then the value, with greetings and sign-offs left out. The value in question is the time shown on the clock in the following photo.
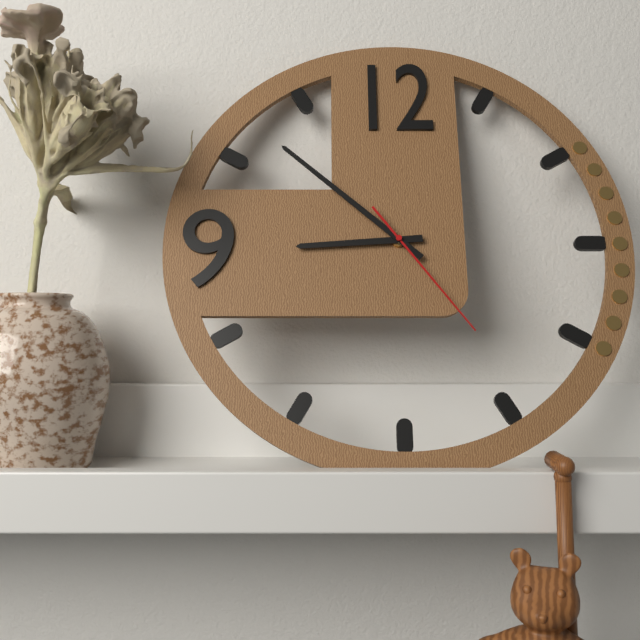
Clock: 8:52:24
